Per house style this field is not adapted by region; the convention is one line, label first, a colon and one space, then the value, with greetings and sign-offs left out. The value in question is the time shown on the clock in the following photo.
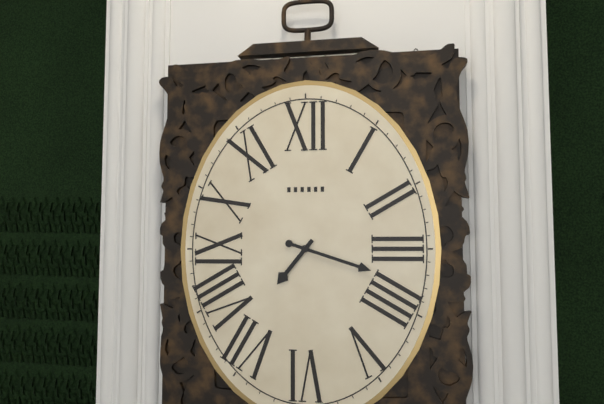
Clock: 7:18
